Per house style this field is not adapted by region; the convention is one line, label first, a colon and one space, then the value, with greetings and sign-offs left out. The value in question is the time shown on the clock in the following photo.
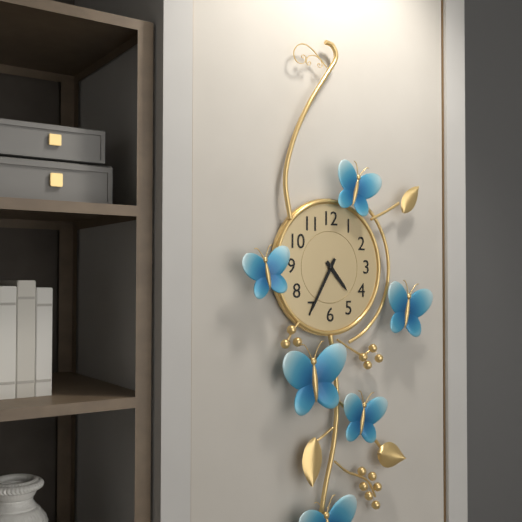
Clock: 4:35
